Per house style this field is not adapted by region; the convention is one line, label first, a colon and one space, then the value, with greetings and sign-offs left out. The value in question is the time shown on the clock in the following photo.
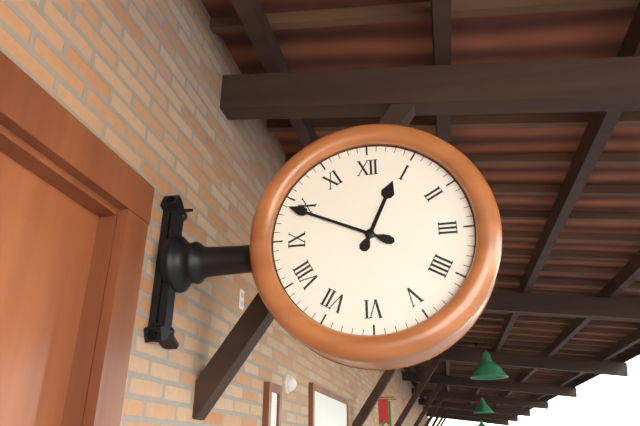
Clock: 12:49
